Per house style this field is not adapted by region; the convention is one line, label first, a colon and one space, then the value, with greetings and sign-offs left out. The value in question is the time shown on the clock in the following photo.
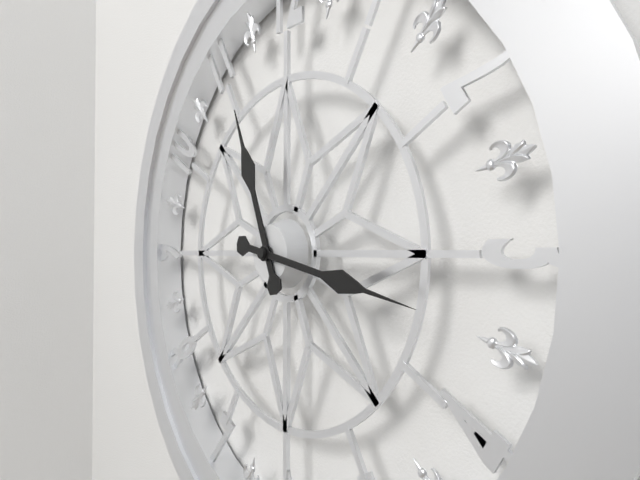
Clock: 11:17
